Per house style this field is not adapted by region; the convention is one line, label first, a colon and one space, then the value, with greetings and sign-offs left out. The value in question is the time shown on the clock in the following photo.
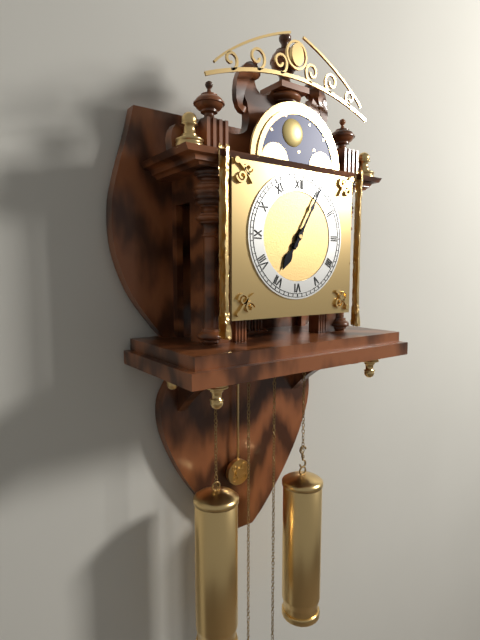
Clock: 7:05
